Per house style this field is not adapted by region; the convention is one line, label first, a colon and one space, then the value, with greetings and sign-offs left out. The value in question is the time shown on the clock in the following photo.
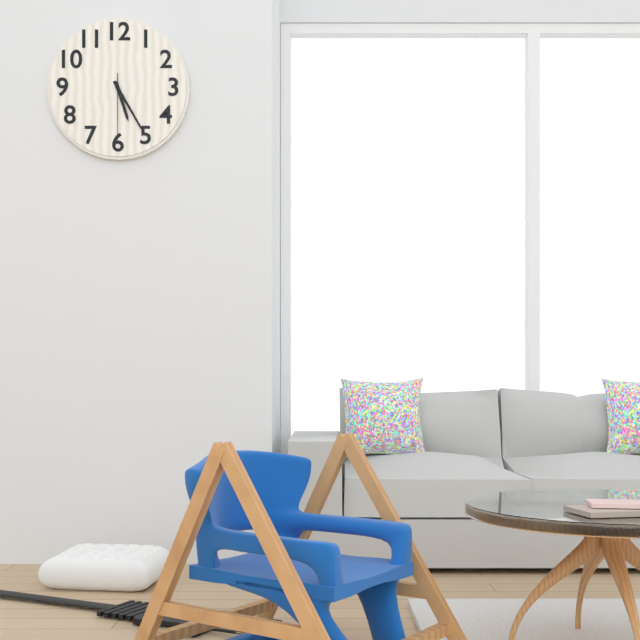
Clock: 5:25:30
